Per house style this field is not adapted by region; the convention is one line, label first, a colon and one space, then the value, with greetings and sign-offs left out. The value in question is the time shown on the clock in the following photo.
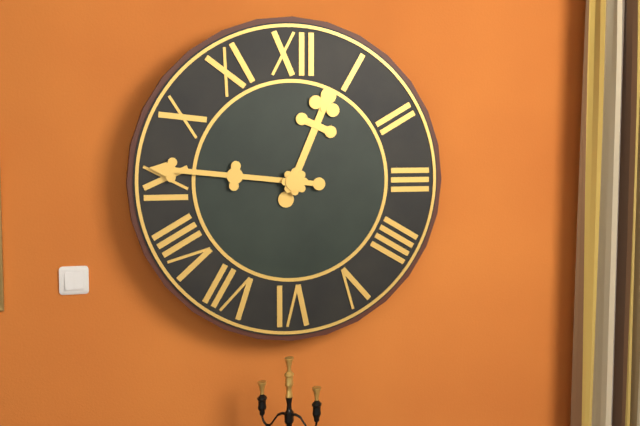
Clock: 12:46
